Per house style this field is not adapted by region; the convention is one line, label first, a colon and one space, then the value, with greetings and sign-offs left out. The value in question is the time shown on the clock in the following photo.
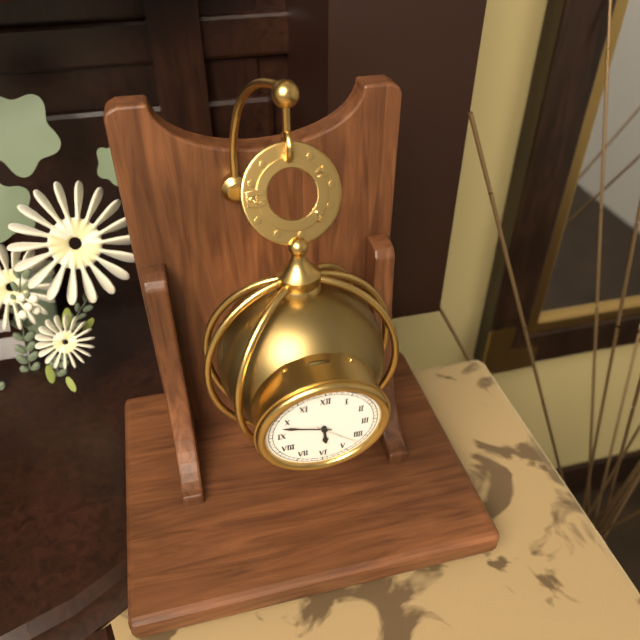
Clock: 5:48
